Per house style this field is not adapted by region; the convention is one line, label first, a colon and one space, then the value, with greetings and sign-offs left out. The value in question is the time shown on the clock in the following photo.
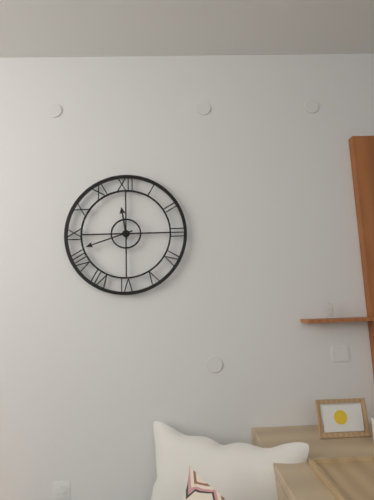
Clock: 11:42
